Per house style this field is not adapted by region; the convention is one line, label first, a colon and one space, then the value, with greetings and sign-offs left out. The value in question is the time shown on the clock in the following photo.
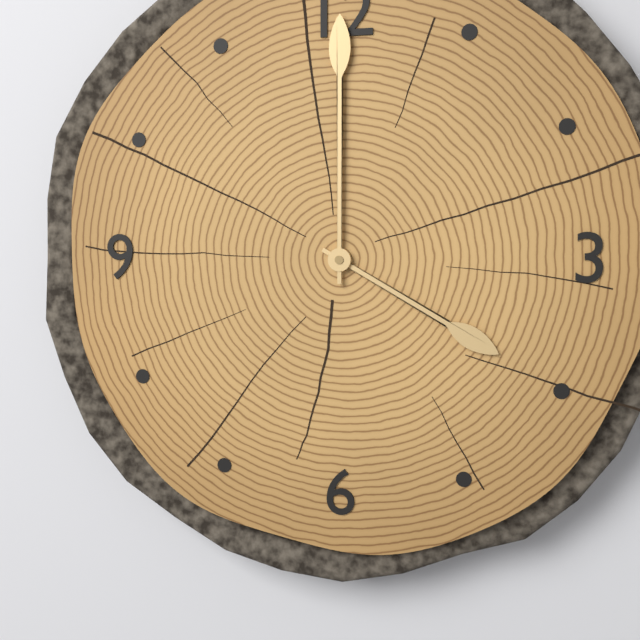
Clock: 4:00
